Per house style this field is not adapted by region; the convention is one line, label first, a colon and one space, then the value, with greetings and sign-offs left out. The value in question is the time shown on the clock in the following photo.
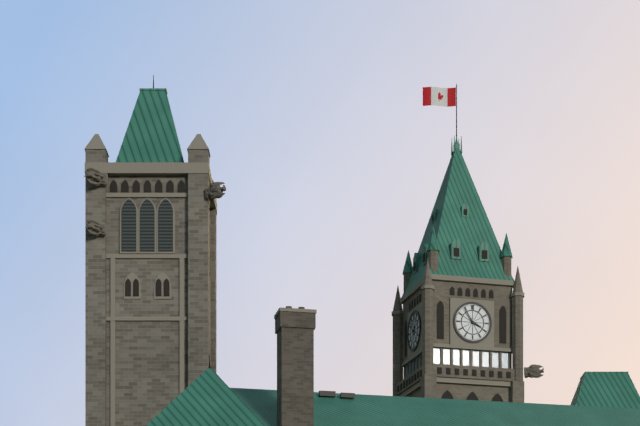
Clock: 3:54
